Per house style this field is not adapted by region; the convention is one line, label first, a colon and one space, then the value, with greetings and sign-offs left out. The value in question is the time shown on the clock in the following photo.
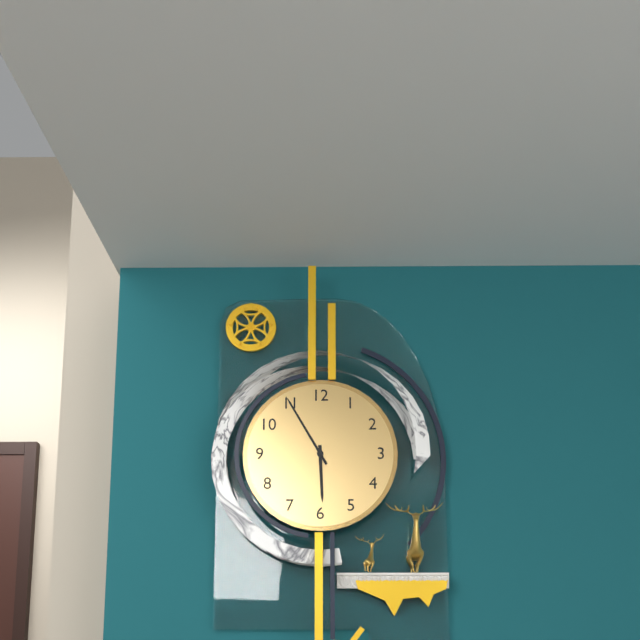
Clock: 5:55
